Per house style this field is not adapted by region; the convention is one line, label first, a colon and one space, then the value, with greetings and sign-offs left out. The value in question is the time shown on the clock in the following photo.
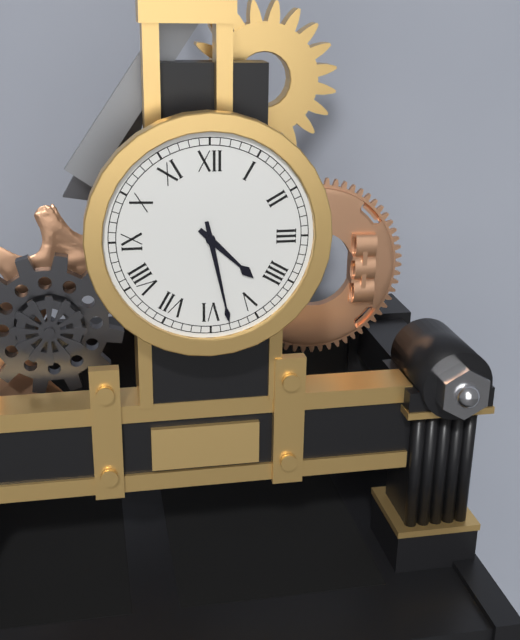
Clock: 4:28
